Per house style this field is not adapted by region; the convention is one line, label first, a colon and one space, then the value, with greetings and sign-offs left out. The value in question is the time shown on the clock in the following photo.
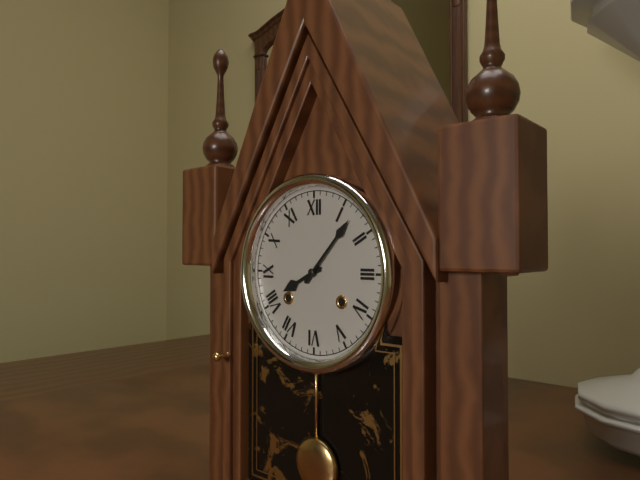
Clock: 8:07
